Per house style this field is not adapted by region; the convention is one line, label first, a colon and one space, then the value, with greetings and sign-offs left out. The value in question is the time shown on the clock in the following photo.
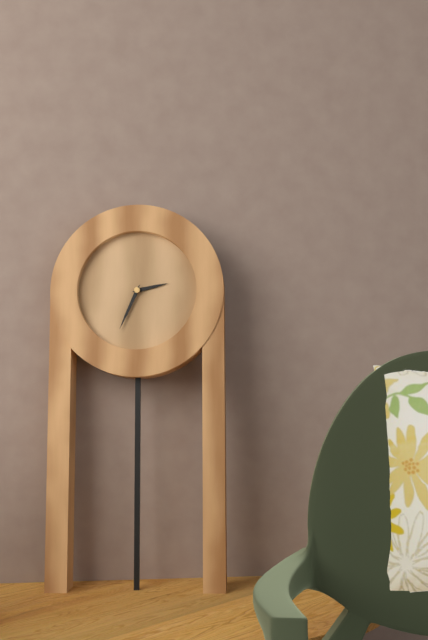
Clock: 2:34
